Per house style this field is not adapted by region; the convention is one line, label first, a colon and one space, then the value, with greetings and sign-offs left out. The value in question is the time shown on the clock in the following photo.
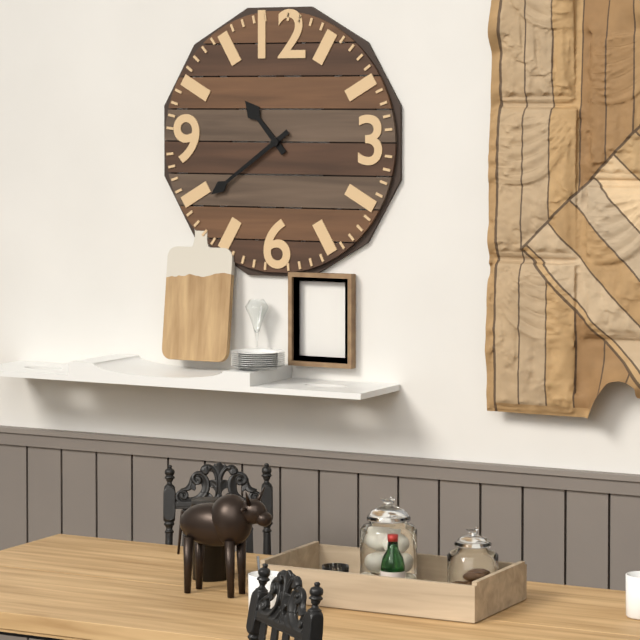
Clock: 10:39
